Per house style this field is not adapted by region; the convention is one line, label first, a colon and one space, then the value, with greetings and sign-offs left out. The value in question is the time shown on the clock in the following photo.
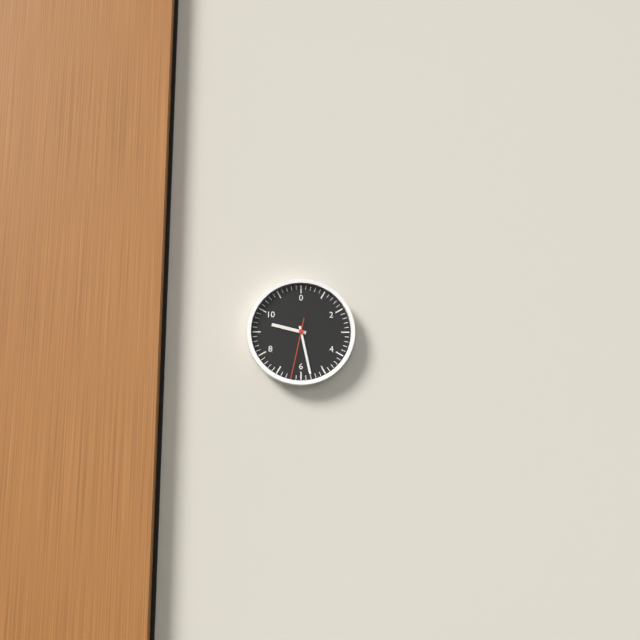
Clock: 9:28:32
